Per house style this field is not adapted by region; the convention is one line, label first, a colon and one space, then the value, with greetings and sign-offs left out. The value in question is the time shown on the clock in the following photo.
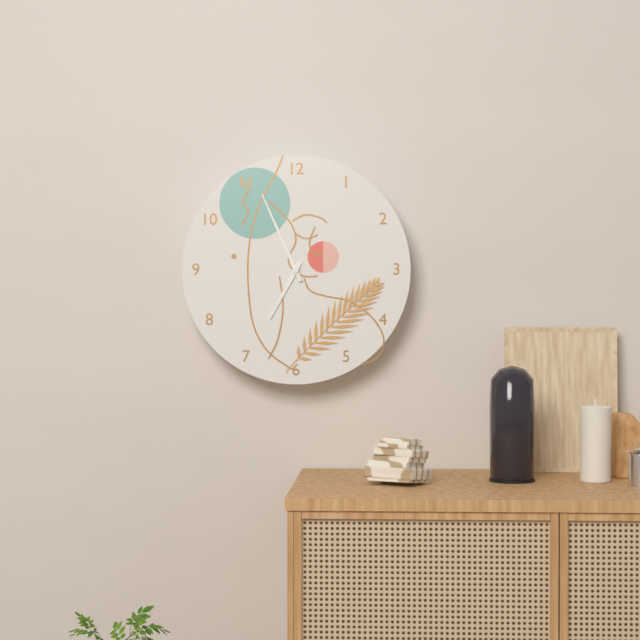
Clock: 6:56
